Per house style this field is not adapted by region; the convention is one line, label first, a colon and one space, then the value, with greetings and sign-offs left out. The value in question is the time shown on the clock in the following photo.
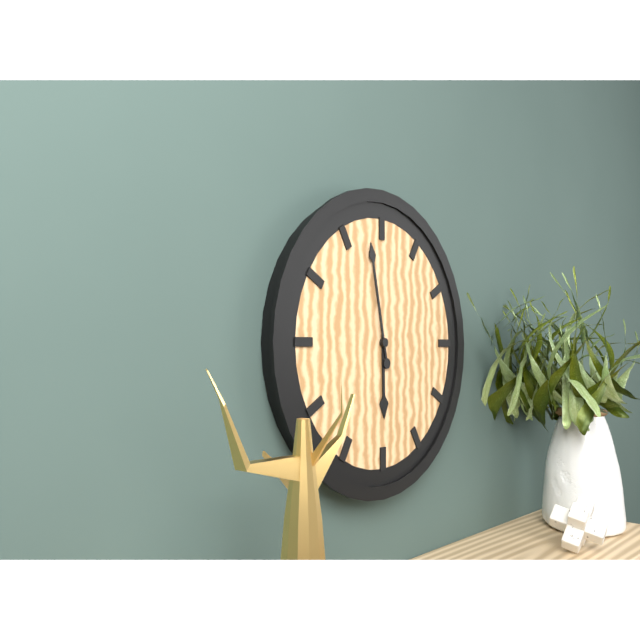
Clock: 5:58
